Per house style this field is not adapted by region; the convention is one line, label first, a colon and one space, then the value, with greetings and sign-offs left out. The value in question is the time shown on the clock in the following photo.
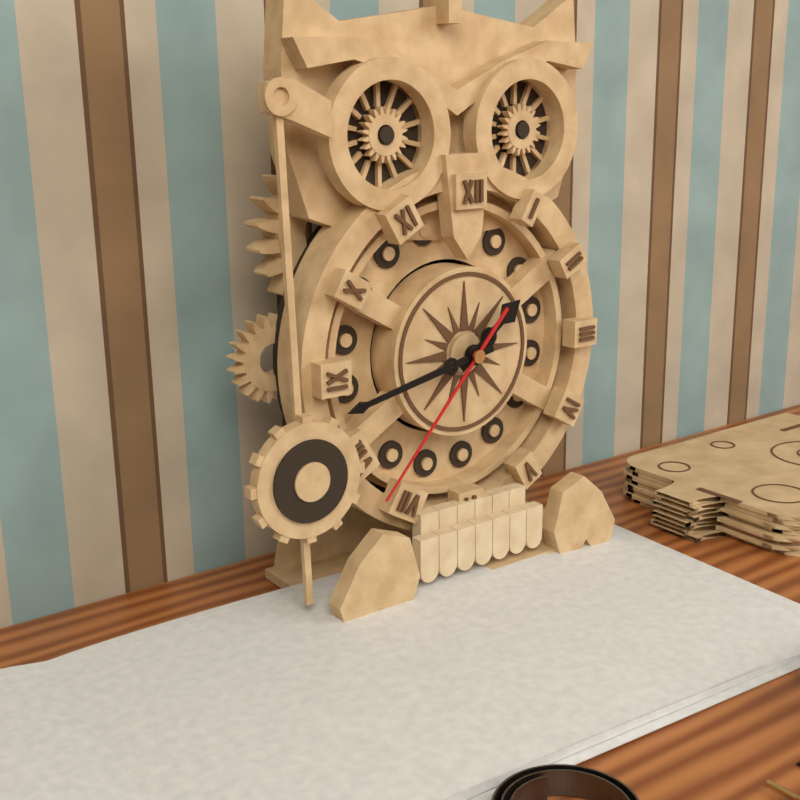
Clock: 1:43:37
